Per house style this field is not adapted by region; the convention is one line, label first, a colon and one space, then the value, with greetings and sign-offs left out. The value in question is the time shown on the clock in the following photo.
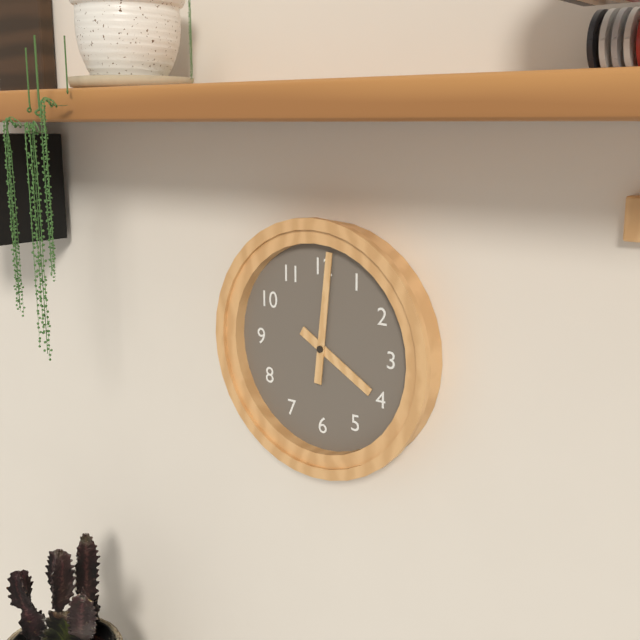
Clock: 4:01
